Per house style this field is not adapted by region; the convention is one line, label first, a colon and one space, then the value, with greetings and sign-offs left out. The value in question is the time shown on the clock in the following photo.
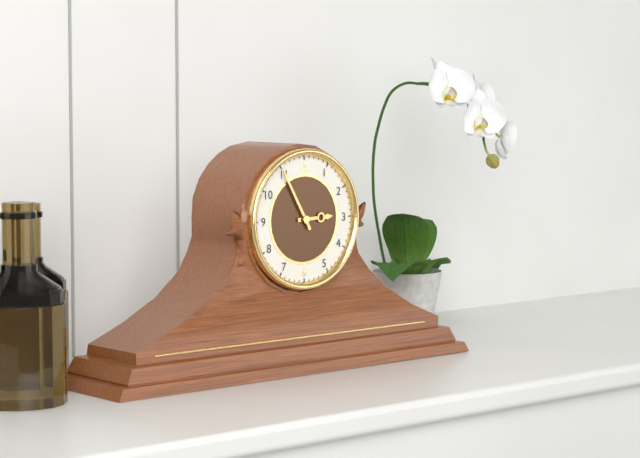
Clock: 2:55
